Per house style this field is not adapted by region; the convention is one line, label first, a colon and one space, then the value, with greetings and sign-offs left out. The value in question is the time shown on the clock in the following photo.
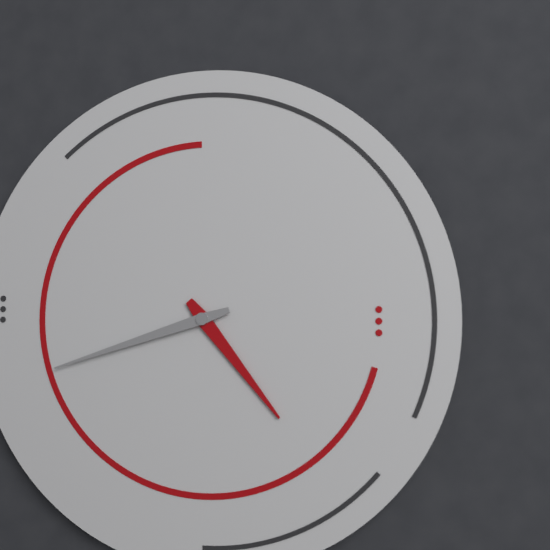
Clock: 4:42
